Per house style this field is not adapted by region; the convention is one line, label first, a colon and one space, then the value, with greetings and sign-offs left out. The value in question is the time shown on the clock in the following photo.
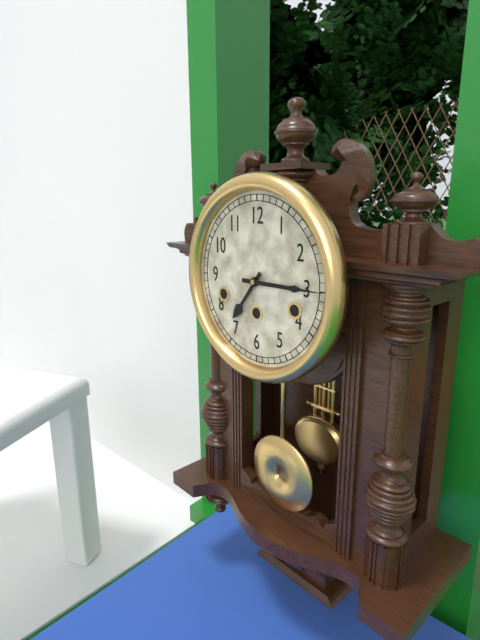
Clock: 7:15
